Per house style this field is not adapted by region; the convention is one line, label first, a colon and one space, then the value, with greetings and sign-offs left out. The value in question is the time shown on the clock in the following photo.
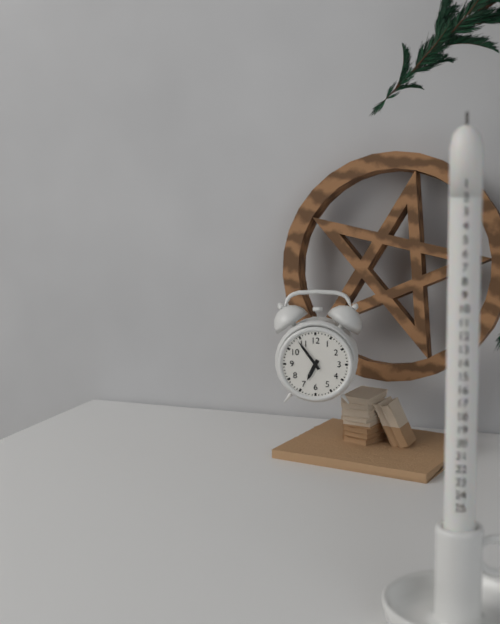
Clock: 6:54
